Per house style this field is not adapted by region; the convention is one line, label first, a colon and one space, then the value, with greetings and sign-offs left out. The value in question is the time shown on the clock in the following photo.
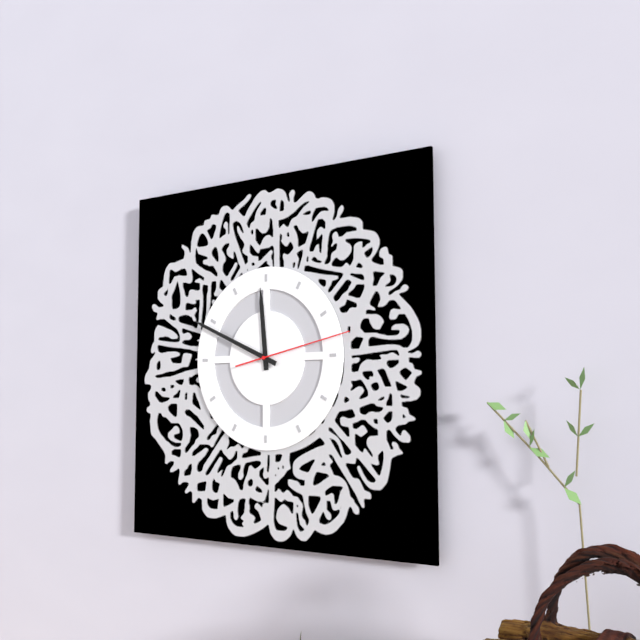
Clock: 11:49:13
